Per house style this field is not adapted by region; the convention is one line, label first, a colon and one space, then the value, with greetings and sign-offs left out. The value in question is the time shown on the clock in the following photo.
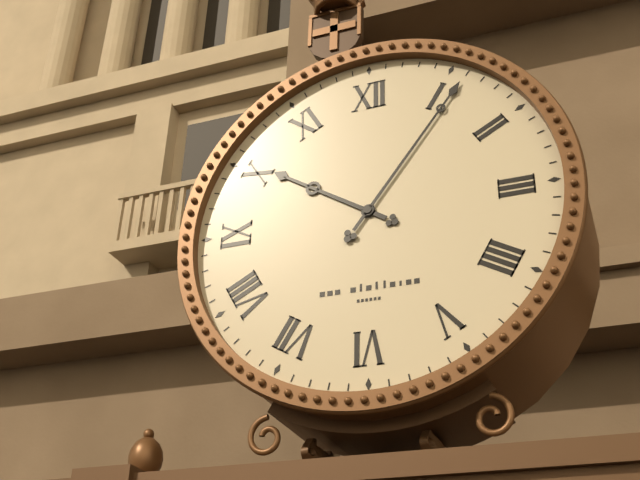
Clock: 10:06
